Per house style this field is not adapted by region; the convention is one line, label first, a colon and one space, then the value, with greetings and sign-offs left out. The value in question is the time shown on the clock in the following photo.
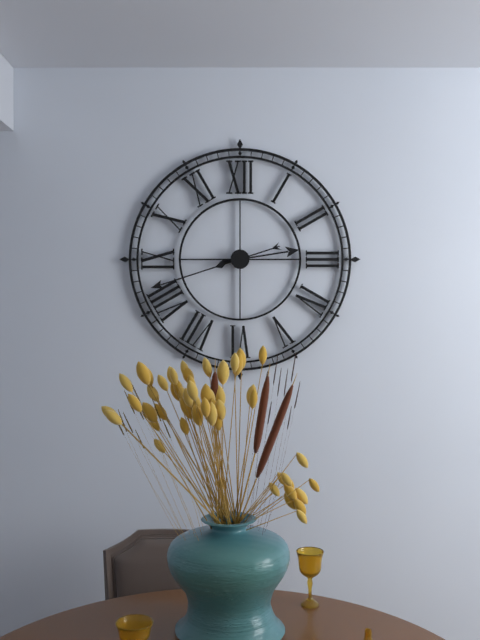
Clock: 2:42
